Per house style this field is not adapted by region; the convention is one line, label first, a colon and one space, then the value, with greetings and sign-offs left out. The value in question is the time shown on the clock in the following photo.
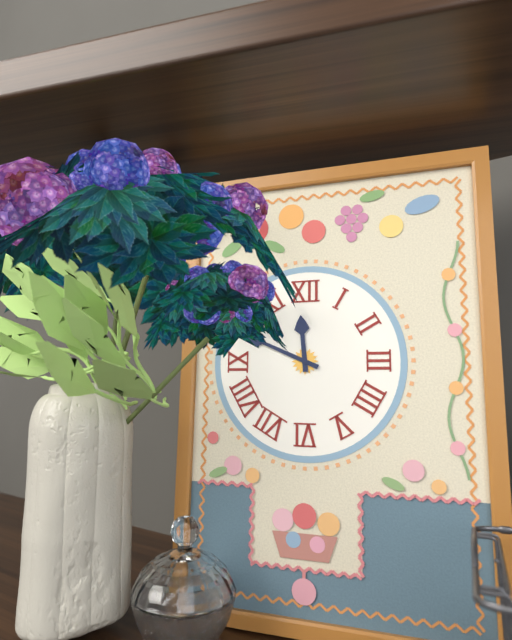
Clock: 11:49
